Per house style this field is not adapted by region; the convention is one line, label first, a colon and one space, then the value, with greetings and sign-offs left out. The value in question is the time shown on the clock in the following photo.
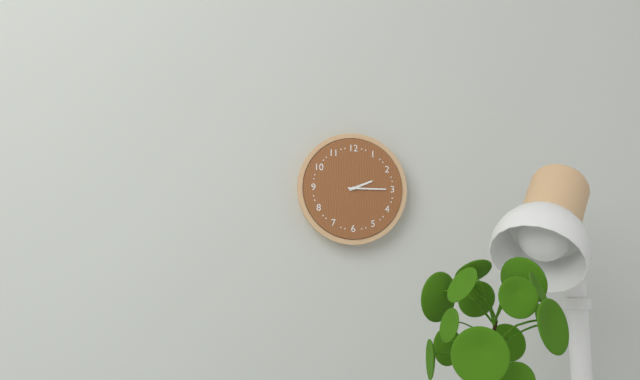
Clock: 2:15
